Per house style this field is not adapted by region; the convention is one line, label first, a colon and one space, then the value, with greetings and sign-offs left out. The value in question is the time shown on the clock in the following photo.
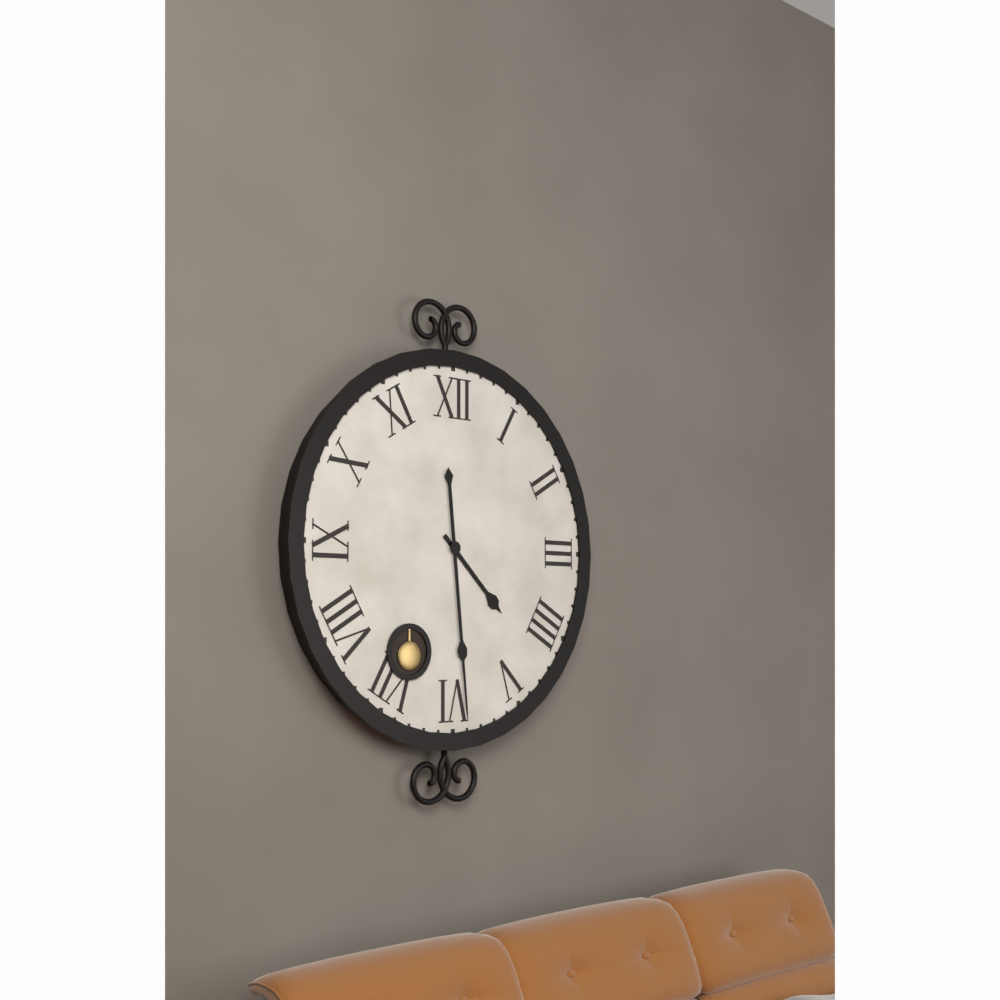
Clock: 4:29
